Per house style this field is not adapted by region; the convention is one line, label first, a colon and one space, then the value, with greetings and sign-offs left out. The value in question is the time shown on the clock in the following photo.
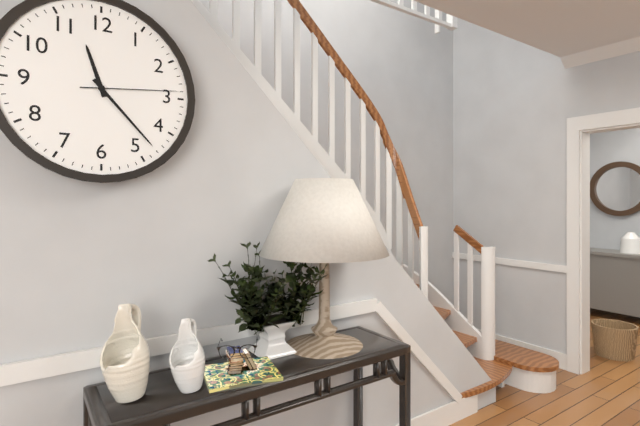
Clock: 11:23:14
